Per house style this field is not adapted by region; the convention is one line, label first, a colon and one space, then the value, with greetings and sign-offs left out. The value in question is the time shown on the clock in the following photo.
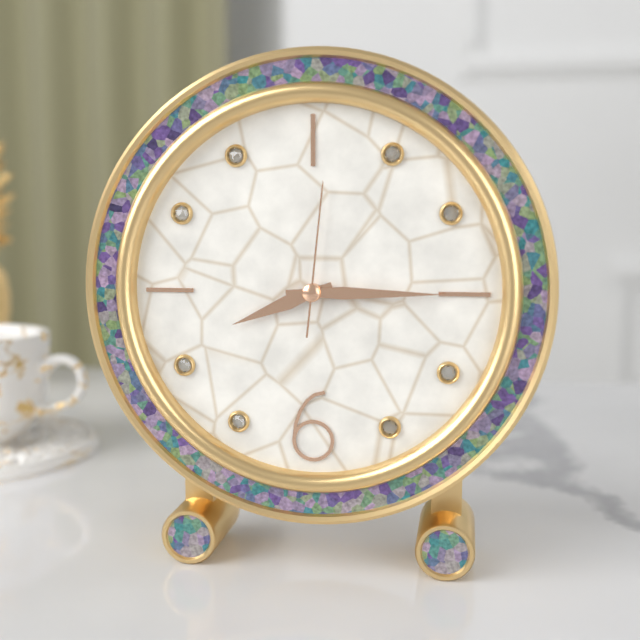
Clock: 8:15:01
